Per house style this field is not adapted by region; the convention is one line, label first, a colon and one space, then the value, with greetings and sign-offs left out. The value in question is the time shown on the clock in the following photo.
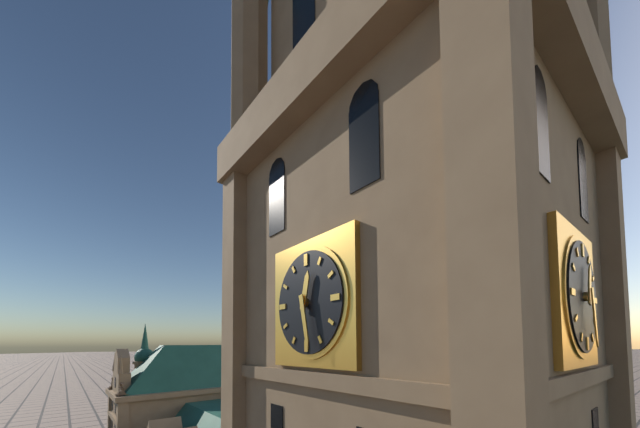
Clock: 12:28
